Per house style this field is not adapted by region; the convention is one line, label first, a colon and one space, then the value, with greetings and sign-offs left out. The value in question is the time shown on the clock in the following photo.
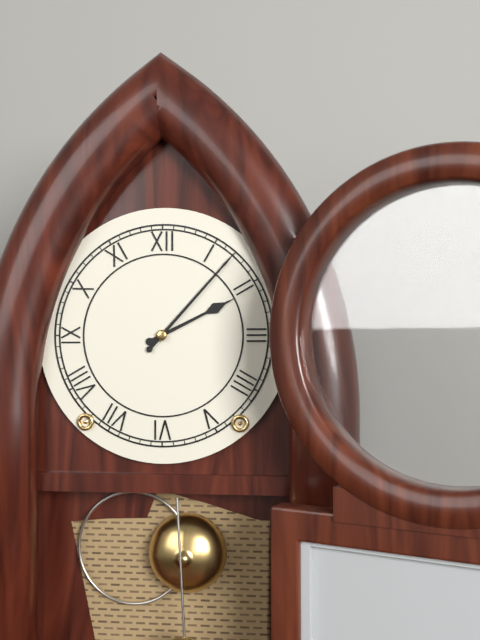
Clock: 2:07
